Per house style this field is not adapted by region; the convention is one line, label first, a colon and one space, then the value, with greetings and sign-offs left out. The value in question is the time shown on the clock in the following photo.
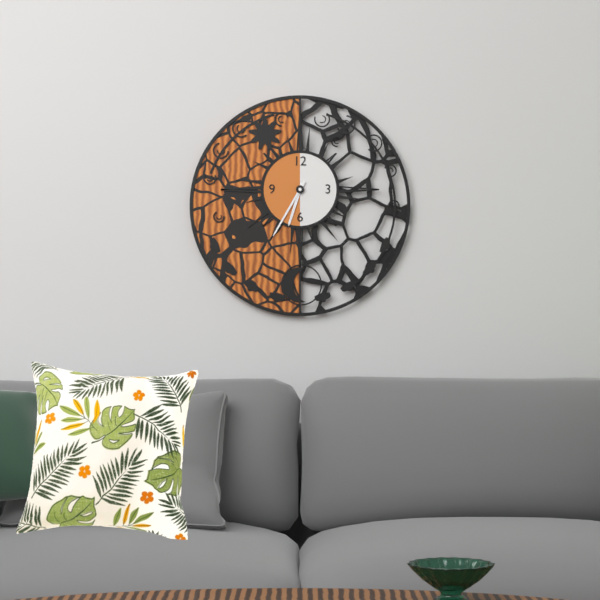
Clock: 6:35
